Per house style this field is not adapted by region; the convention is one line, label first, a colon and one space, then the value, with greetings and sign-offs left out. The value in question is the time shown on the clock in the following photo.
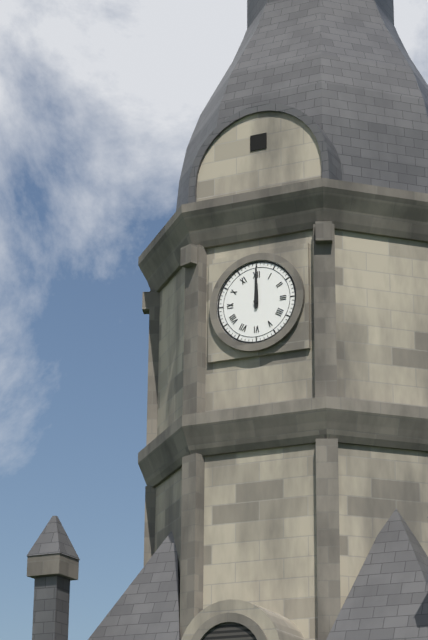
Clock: 12:00
